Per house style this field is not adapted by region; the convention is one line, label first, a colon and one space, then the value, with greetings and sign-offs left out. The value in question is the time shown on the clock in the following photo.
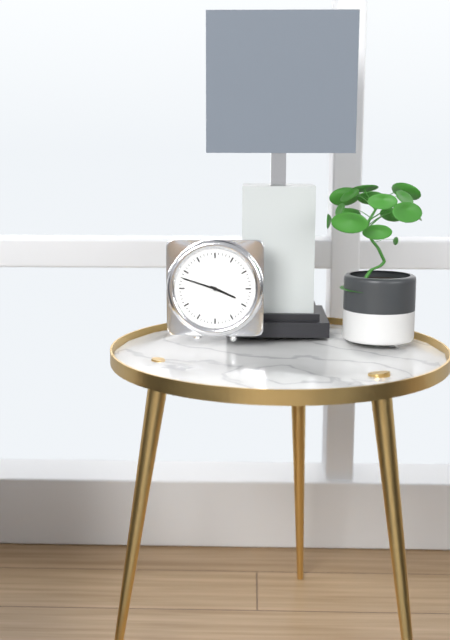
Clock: 3:48
